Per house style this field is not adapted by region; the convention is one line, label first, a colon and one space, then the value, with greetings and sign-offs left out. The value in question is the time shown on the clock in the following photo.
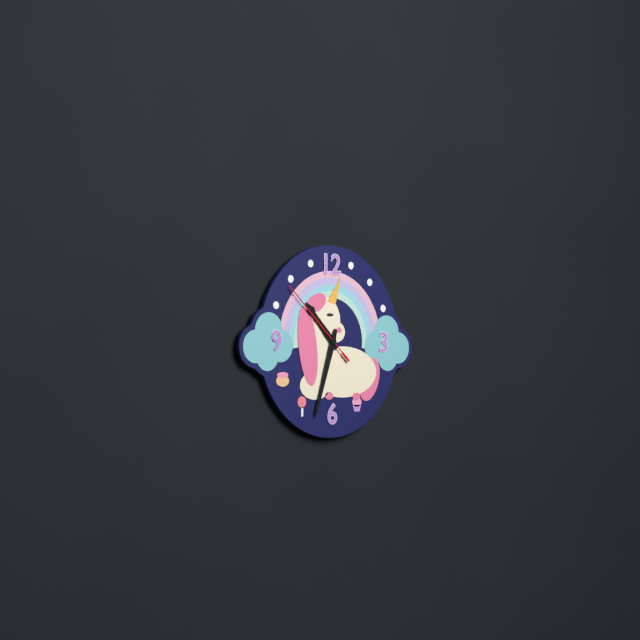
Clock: 10:33:52
